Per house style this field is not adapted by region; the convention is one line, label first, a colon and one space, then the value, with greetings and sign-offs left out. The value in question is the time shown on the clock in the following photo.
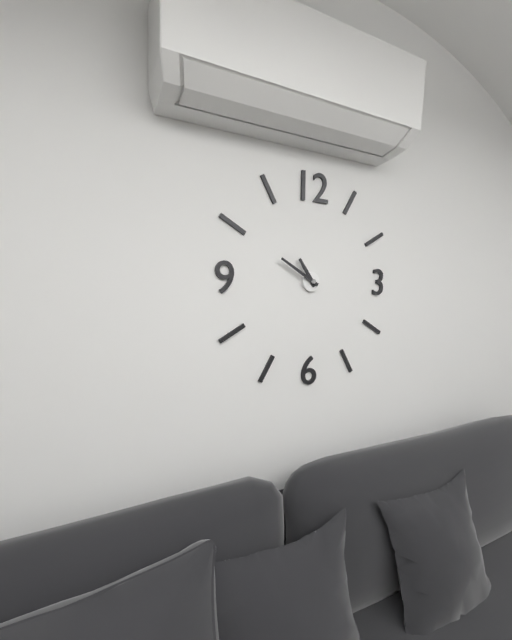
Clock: 10:50
